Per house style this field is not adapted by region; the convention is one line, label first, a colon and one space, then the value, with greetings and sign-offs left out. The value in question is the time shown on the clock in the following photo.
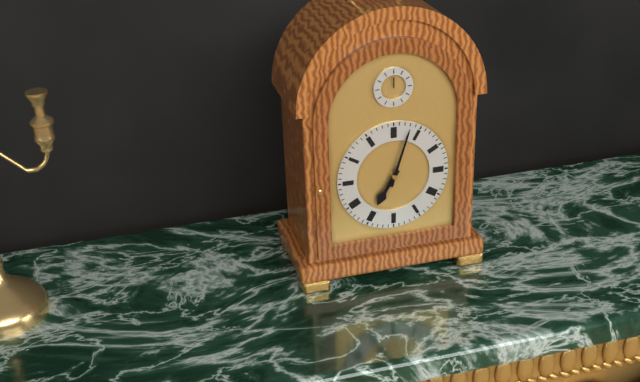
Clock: 7:03
